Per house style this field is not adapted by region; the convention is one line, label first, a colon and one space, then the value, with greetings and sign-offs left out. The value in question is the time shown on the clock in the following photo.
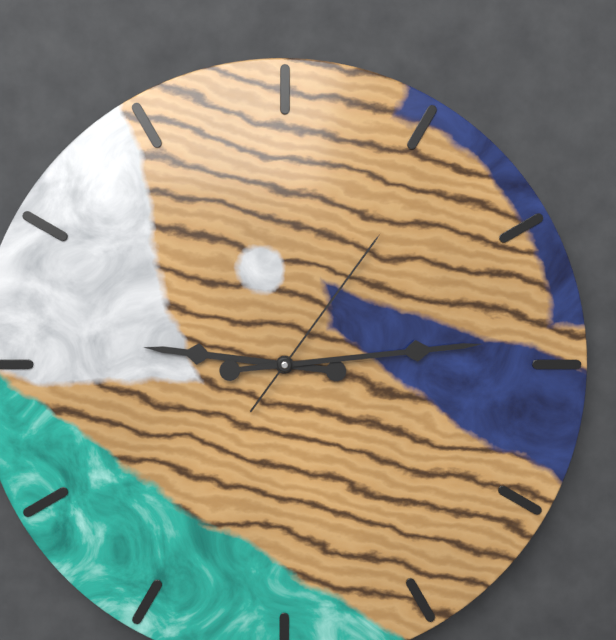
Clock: 9:14:06
